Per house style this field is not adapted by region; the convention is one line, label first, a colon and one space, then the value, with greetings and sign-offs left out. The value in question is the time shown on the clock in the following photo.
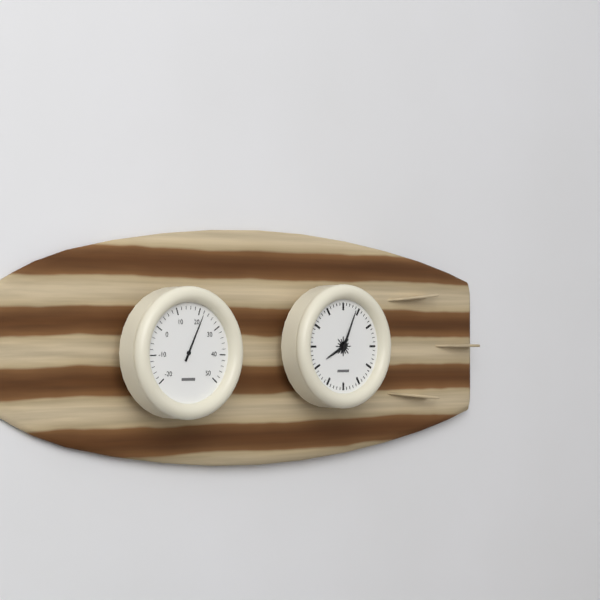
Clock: 8:04
